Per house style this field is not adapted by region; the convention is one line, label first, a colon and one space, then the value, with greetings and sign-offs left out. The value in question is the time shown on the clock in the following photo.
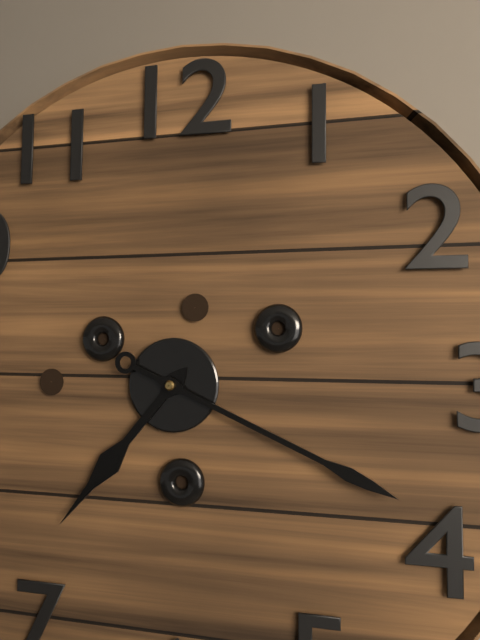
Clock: 7:19
